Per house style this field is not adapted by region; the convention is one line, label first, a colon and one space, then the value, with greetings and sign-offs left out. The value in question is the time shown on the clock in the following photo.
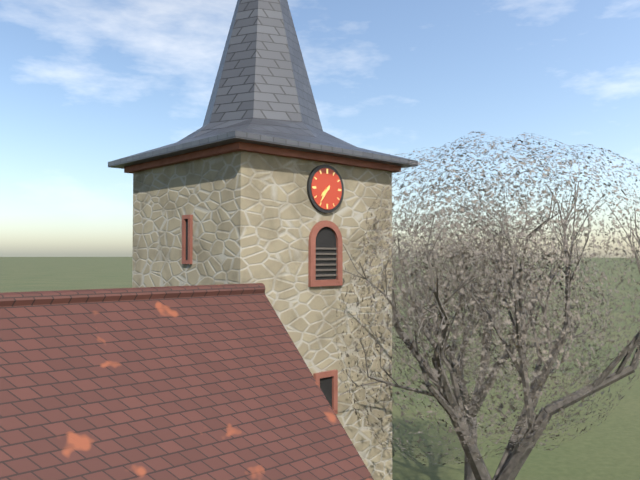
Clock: 7:36
